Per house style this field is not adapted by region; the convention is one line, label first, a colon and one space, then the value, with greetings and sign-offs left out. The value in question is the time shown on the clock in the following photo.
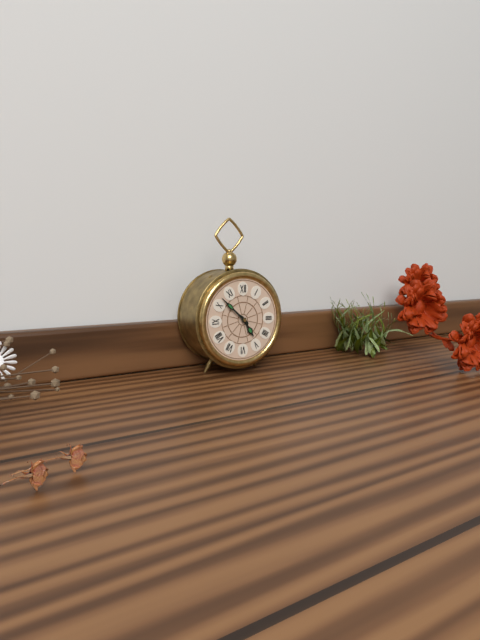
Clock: 4:52
